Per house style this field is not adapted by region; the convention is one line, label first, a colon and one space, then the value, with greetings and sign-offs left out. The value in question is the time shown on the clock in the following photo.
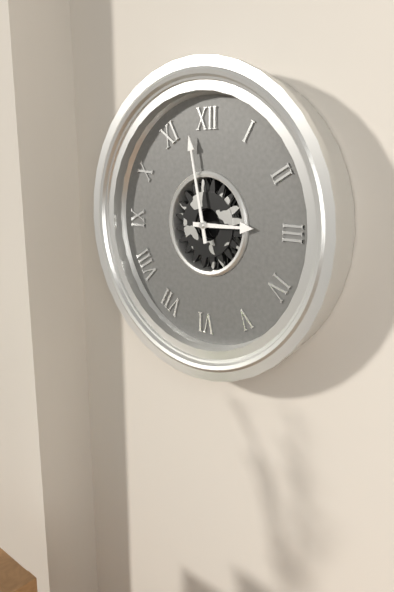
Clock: 2:58
